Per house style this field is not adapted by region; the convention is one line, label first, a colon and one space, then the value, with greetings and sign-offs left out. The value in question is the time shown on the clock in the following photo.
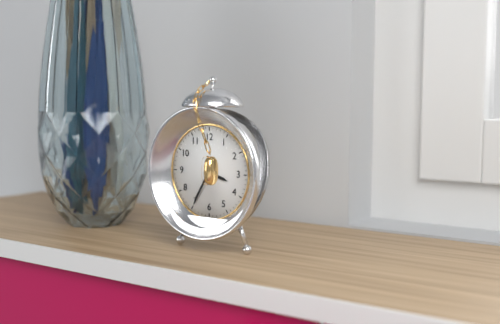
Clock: 3:35
